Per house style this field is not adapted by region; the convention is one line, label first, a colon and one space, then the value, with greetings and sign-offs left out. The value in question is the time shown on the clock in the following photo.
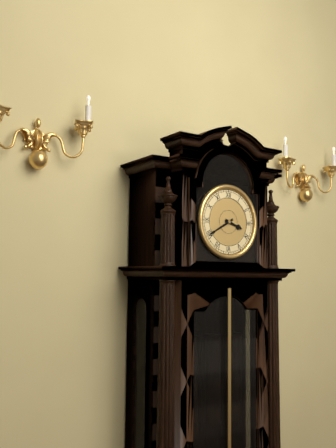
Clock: 3:40
